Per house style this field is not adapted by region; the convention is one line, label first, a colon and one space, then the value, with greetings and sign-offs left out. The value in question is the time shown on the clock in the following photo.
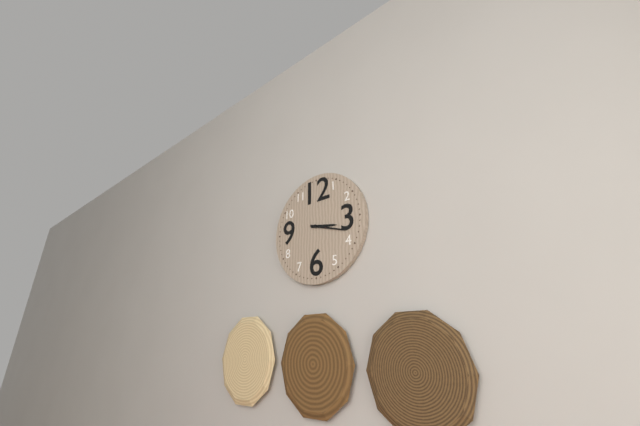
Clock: 3:18
